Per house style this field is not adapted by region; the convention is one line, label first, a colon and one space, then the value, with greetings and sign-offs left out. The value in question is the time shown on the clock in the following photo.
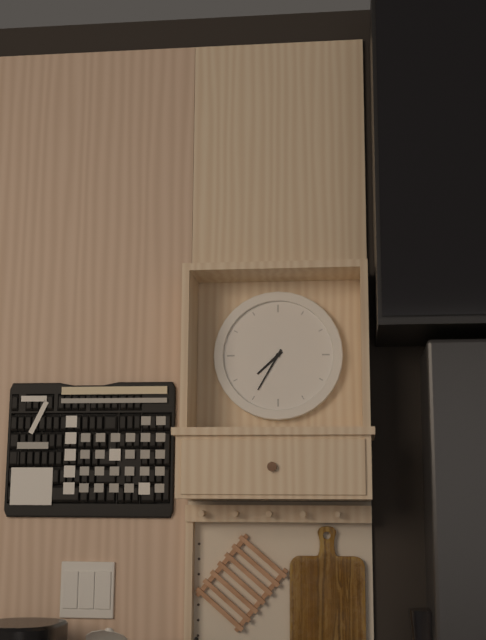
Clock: 7:35
